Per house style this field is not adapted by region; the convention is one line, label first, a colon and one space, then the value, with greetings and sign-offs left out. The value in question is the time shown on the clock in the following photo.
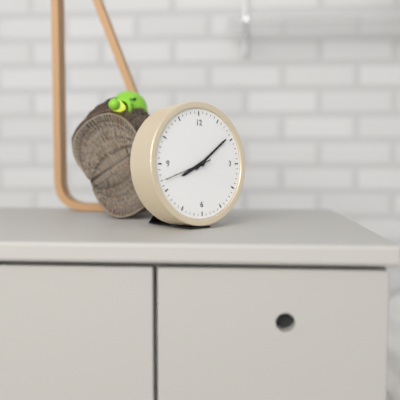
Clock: 8:09
